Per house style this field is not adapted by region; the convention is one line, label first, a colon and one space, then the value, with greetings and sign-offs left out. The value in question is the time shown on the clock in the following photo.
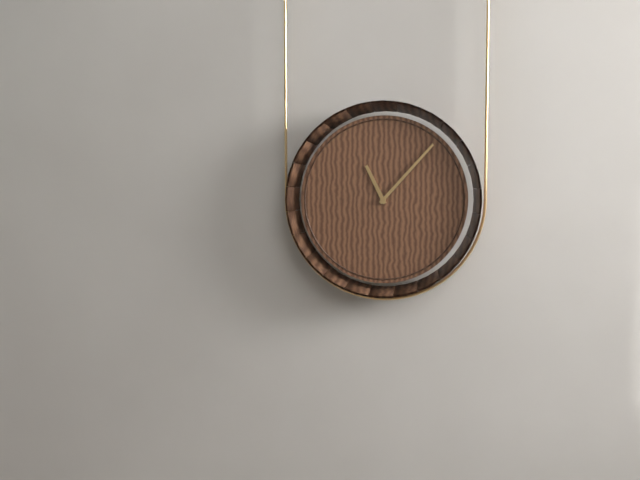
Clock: 11:07
